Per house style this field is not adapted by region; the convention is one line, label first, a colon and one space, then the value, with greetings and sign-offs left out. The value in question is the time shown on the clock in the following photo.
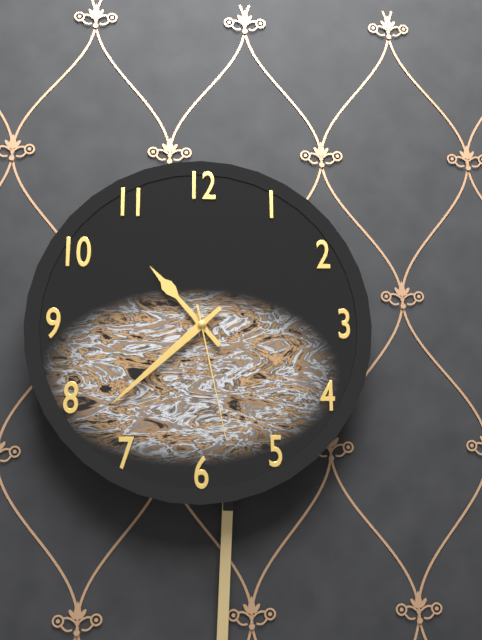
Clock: 10:38:28
